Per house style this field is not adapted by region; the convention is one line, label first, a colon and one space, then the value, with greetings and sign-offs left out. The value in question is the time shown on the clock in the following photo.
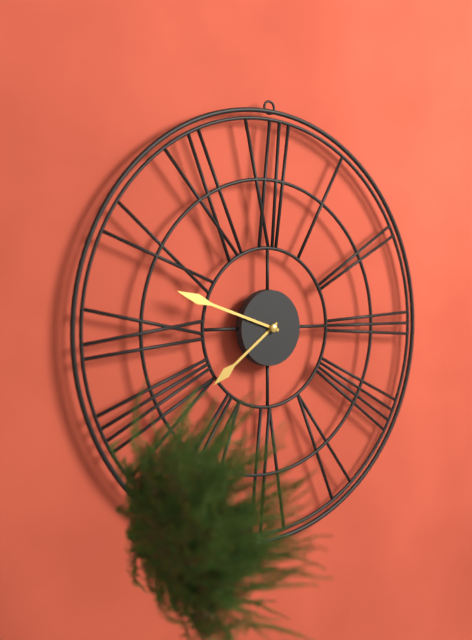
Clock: 7:48
